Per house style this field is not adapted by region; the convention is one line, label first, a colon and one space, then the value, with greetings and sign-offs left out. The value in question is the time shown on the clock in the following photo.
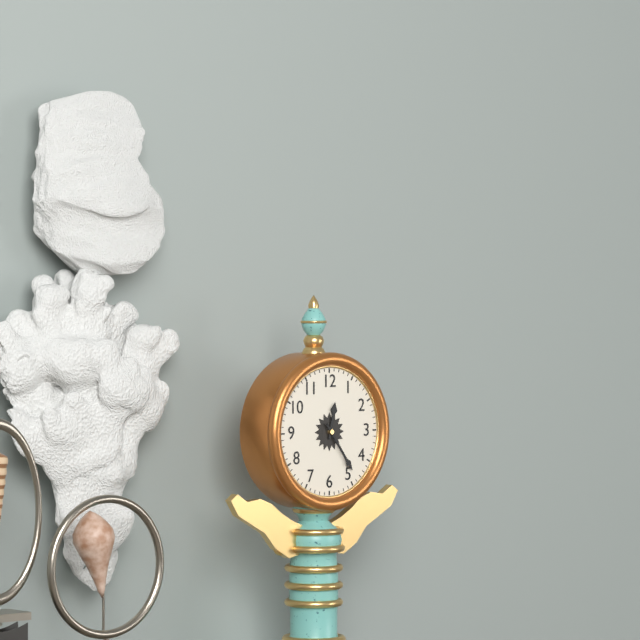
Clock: 12:24
